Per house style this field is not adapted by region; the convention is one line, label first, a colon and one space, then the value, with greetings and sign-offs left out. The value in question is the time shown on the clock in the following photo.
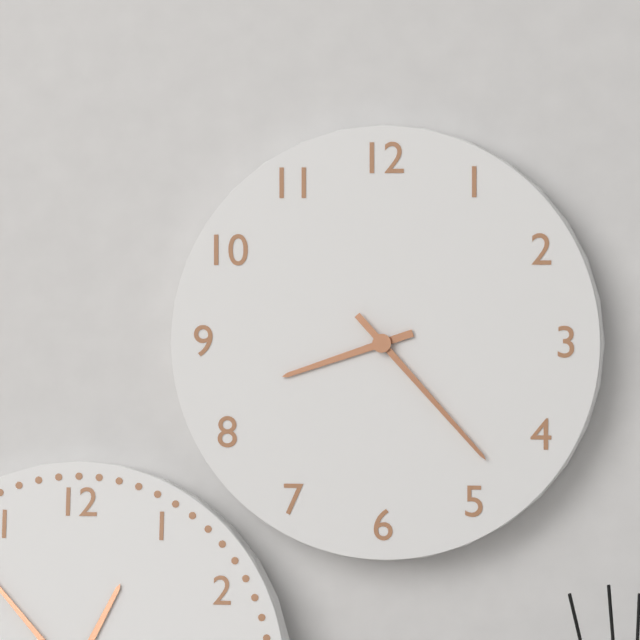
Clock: 8:23
